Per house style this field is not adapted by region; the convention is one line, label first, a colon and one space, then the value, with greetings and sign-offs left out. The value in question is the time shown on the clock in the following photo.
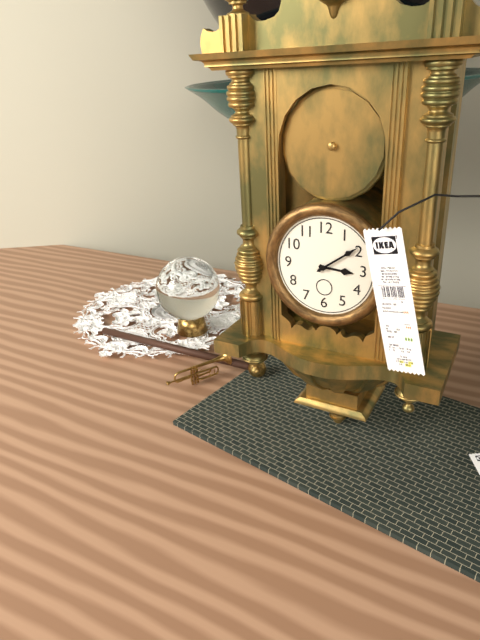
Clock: 3:09
